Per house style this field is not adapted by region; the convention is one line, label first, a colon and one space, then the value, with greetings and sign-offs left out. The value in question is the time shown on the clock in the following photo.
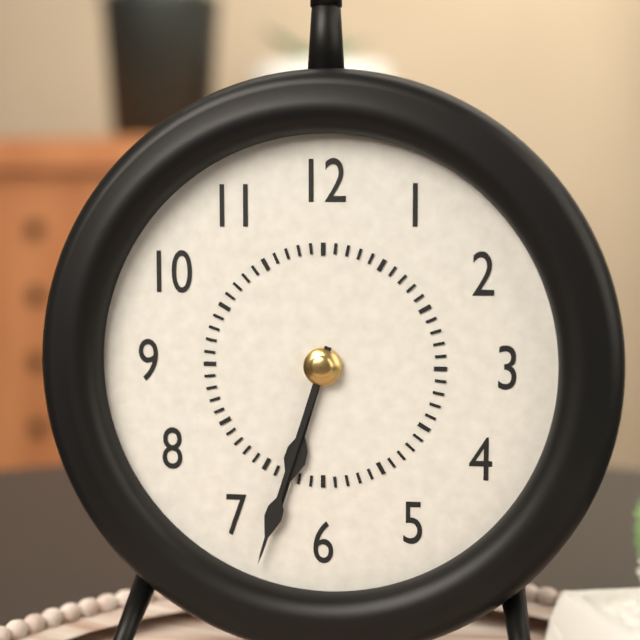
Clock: 6:33
